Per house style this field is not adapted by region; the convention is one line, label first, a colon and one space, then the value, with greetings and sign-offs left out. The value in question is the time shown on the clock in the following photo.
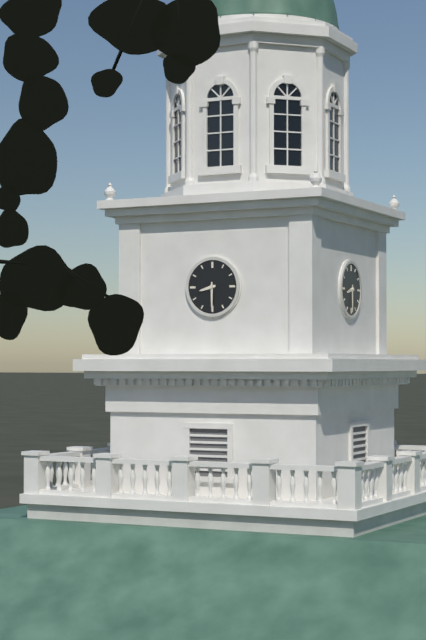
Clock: 8:30
